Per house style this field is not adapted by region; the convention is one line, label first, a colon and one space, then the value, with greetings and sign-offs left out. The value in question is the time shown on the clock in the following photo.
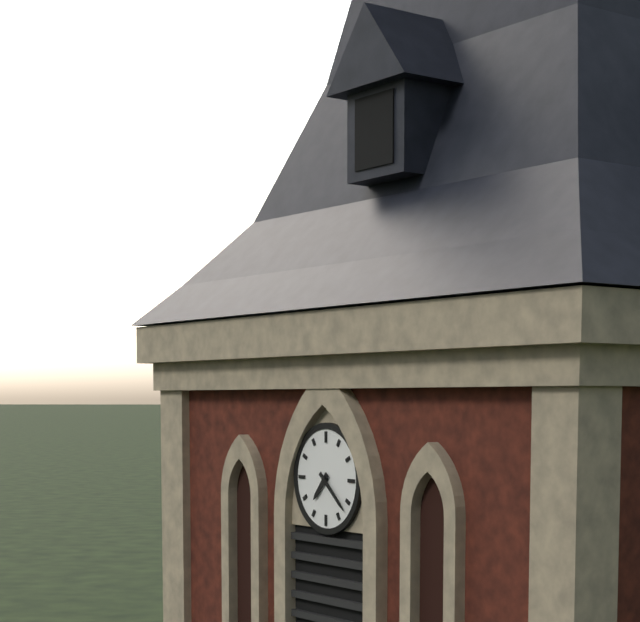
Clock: 7:22
